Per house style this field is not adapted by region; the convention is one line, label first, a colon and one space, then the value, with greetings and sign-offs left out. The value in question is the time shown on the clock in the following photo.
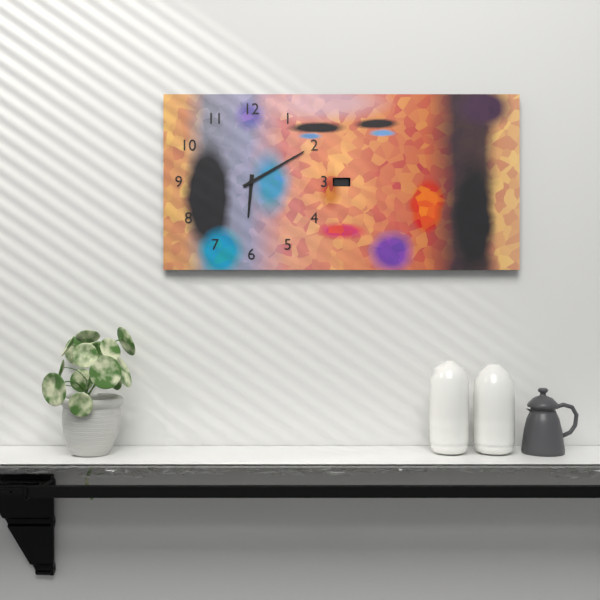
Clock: 6:10
